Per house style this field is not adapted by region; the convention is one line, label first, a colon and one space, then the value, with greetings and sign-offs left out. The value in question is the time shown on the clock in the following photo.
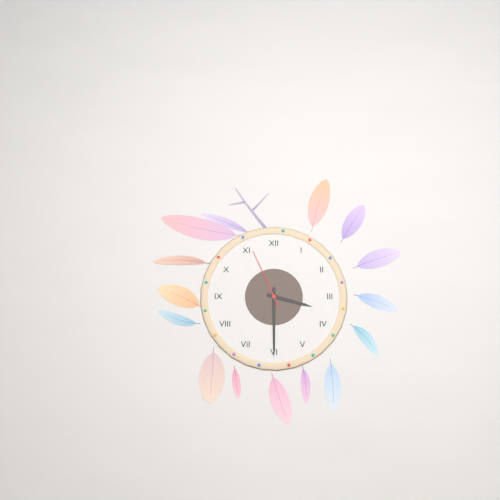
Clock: 3:30:56
